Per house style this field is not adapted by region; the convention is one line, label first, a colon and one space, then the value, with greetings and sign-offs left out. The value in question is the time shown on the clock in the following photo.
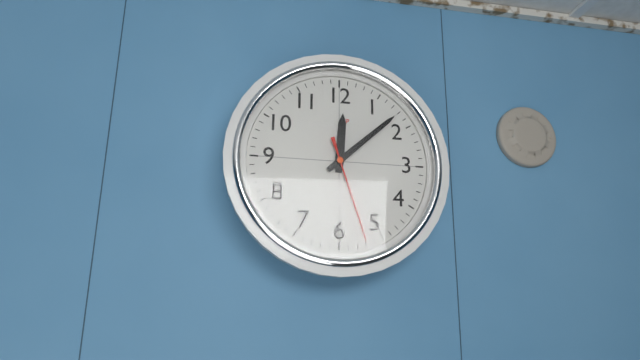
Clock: 12:08:27
